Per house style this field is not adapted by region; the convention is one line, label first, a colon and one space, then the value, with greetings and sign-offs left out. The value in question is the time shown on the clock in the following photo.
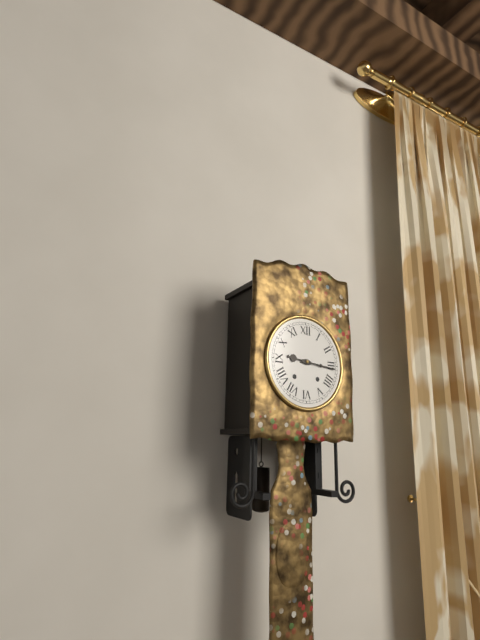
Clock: 9:16
